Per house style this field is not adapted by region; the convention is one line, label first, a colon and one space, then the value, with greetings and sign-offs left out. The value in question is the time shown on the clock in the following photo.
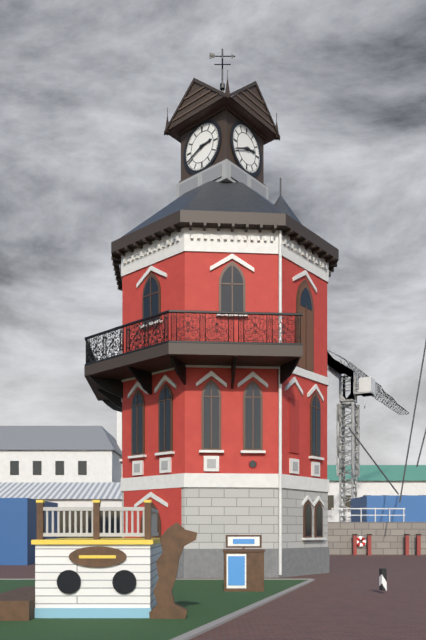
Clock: 2:41
